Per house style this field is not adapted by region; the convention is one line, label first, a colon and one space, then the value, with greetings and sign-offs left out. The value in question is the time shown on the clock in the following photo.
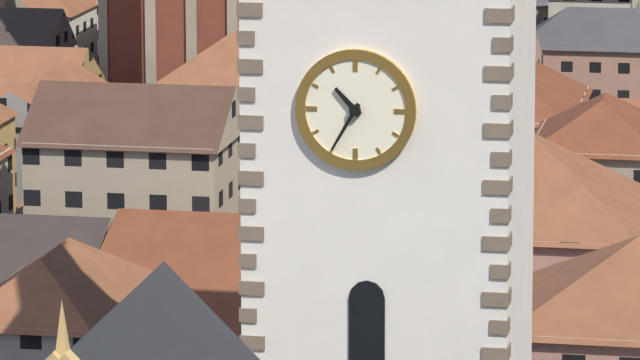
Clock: 10:35
